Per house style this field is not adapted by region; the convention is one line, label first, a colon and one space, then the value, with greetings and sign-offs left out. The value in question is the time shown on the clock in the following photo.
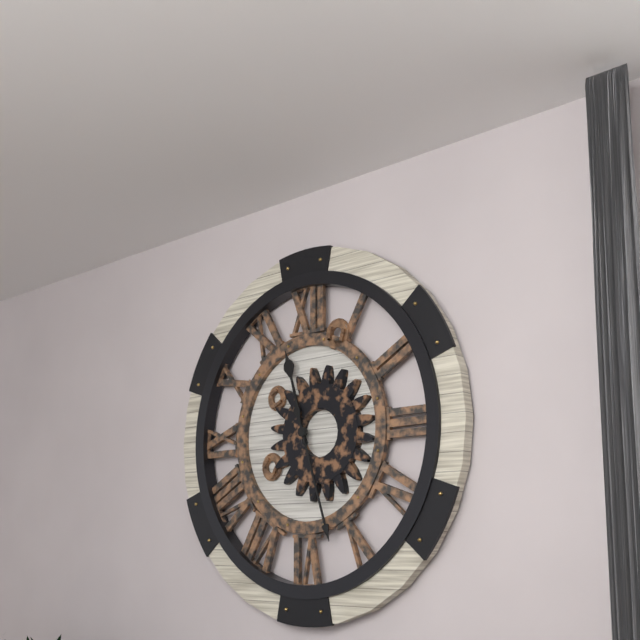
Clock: 11:27
